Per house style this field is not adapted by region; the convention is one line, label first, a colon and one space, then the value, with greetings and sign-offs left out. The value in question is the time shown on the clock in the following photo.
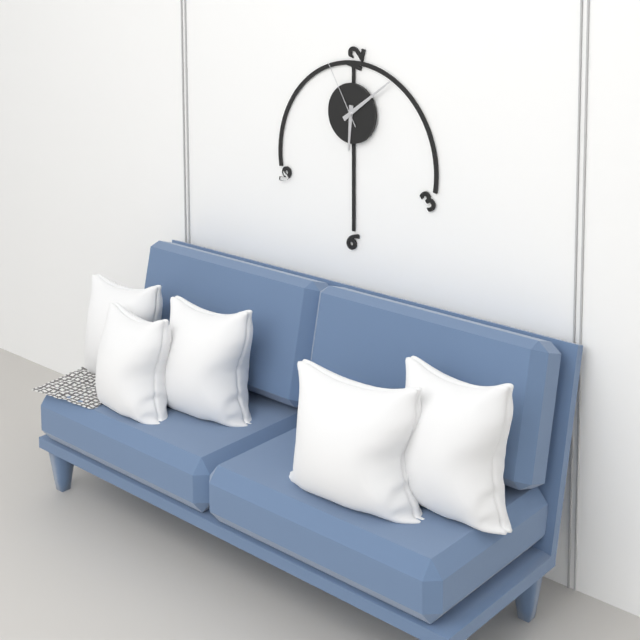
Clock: 6:09:55
